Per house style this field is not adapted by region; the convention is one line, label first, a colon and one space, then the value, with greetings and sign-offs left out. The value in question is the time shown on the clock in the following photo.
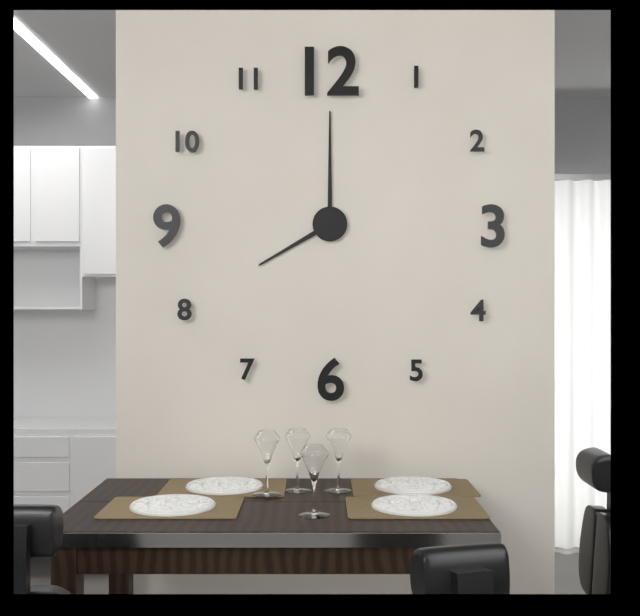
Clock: 8:00
